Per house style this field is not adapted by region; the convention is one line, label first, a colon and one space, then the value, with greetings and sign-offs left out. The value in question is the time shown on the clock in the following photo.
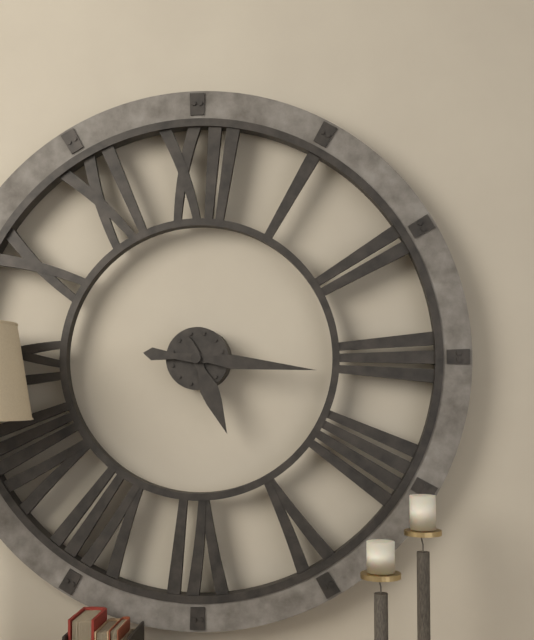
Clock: 5:16
